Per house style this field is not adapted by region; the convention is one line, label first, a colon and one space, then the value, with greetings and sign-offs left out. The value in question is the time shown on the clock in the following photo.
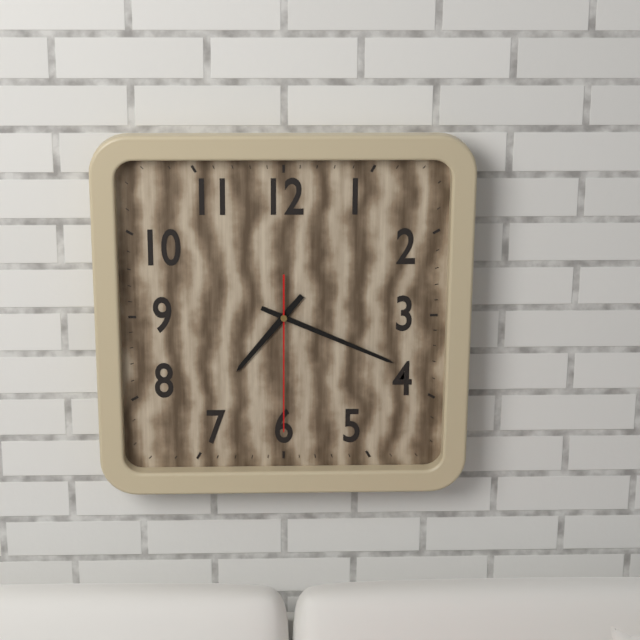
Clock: 7:19:30
